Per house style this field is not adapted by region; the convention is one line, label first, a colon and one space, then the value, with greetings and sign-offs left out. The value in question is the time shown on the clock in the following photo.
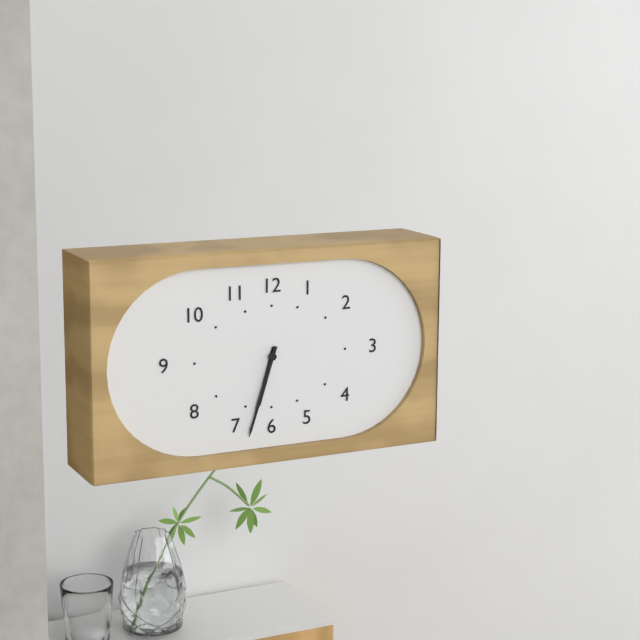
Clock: 6:33
